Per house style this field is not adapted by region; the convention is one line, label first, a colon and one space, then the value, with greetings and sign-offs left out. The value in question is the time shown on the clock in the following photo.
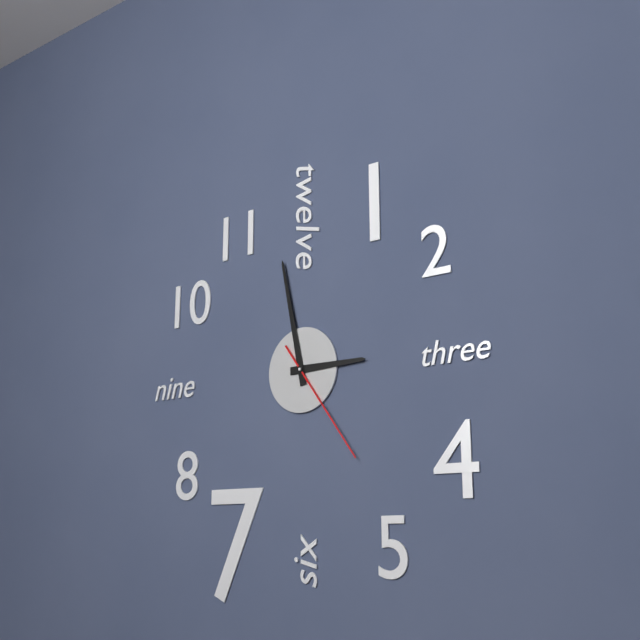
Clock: 2:58:24
